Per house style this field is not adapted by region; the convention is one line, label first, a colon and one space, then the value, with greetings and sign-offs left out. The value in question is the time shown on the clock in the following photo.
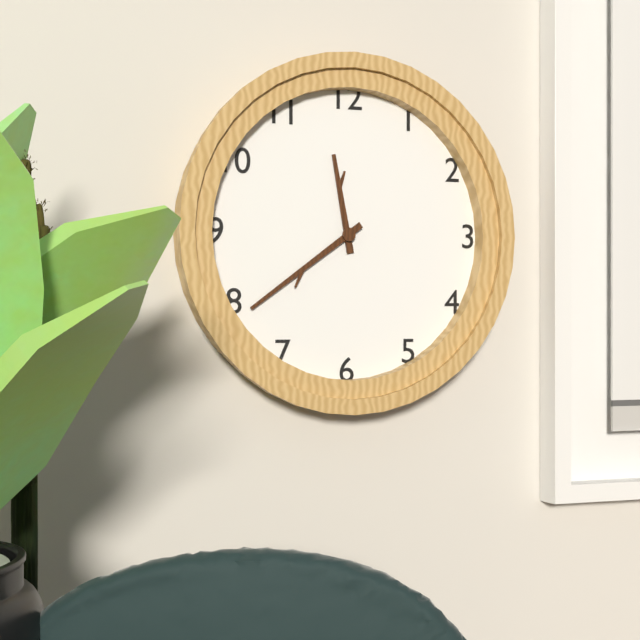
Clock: 11:39
